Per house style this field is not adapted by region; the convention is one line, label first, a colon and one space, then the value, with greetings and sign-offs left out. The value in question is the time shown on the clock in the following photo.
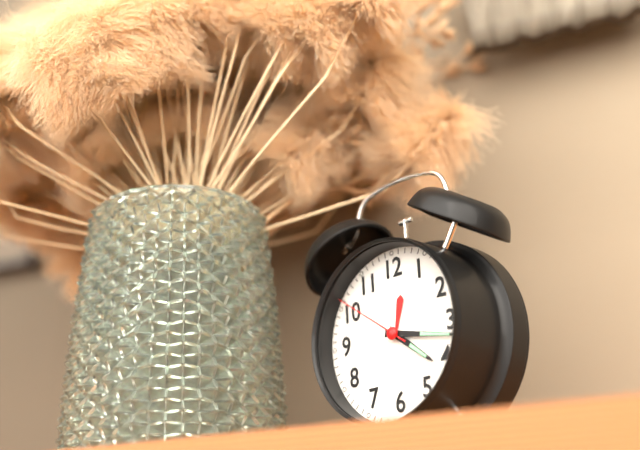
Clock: 4:17:51
